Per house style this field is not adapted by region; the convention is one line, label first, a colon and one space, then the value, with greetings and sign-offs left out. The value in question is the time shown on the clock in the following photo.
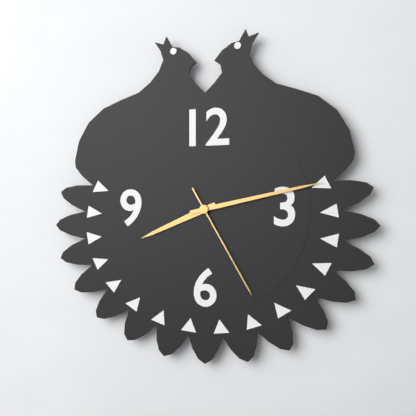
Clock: 8:13:25
